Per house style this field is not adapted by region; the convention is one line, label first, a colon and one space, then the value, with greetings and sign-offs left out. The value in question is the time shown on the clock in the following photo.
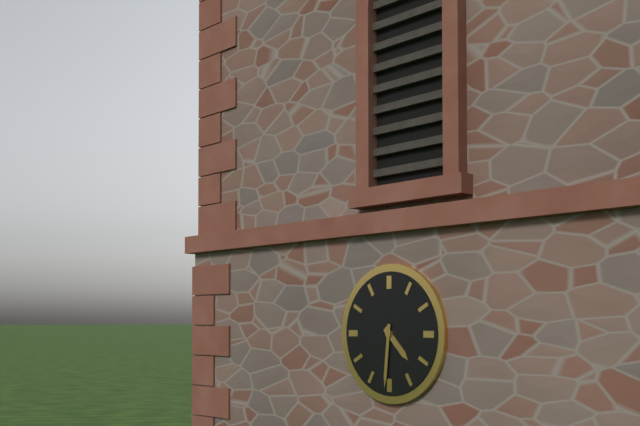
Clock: 4:31
